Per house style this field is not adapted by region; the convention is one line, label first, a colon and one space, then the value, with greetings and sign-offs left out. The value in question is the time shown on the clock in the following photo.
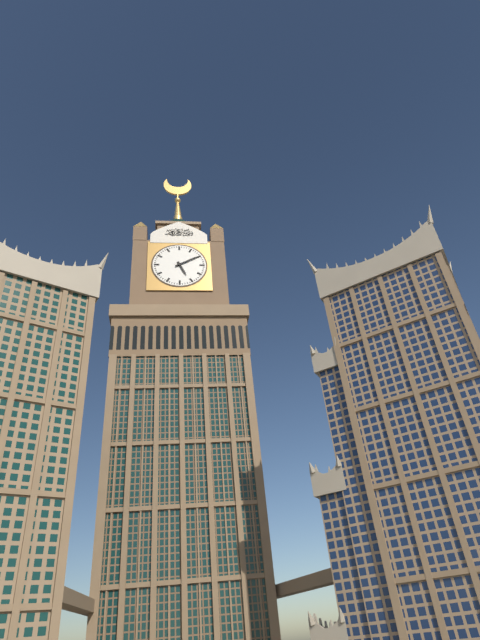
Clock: 5:10
